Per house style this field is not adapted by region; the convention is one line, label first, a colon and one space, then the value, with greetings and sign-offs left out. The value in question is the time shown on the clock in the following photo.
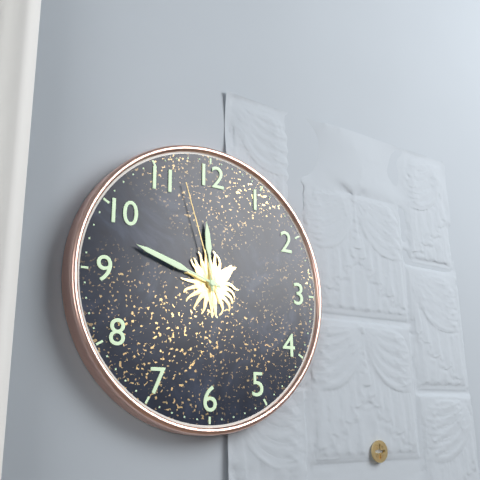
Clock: 11:48:57
